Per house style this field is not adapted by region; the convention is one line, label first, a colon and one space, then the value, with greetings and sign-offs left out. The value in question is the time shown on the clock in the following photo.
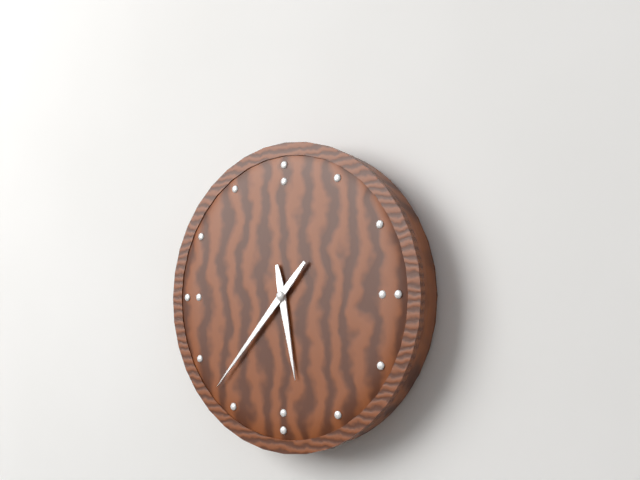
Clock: 5:37
